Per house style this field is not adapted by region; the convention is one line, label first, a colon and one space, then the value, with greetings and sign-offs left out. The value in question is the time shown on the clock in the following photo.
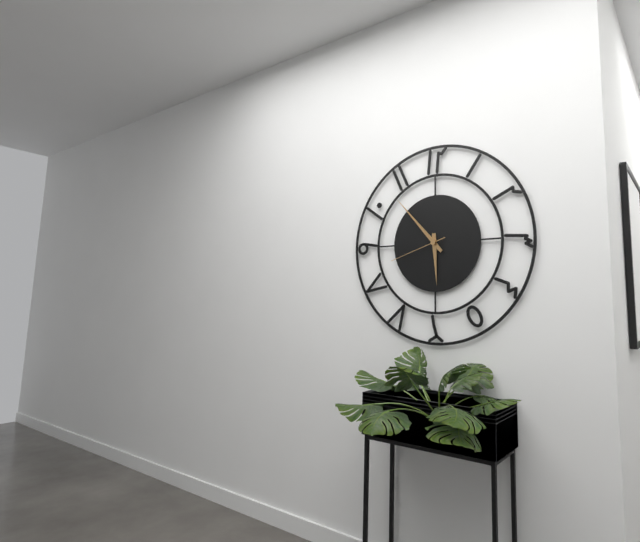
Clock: 5:53:42
